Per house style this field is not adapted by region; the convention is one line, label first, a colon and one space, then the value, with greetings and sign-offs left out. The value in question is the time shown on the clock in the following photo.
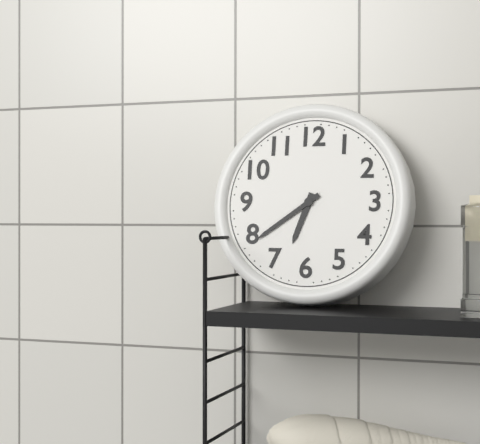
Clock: 6:39
